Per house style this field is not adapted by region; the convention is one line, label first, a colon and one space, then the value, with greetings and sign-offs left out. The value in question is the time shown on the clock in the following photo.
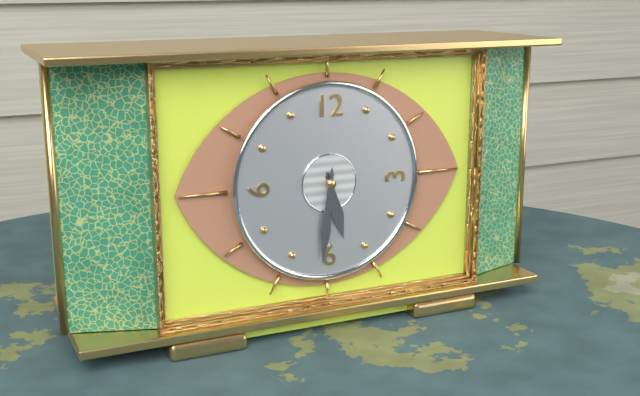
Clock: 5:31
